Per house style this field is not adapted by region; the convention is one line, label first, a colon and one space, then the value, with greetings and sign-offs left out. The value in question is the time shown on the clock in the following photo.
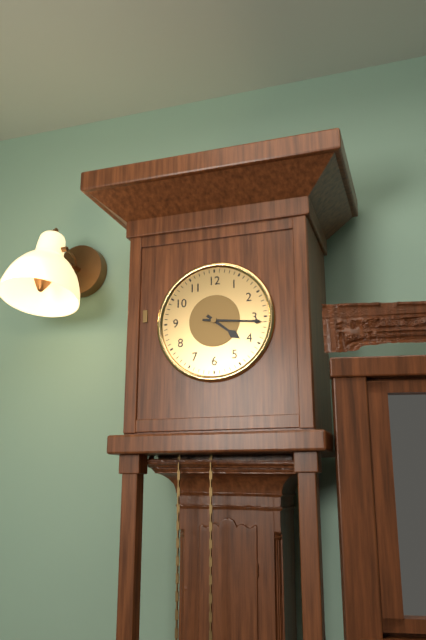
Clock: 4:16
